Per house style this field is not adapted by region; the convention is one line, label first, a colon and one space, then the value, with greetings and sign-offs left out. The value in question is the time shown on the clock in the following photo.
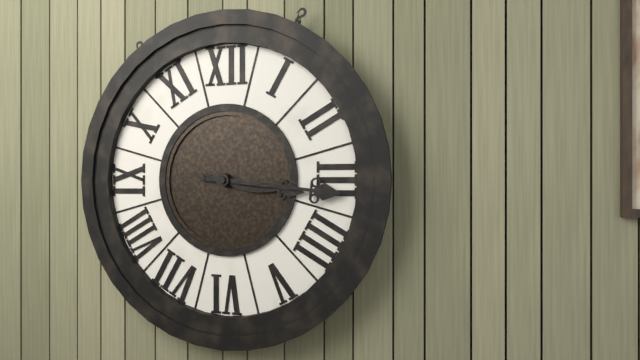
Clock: 3:16
